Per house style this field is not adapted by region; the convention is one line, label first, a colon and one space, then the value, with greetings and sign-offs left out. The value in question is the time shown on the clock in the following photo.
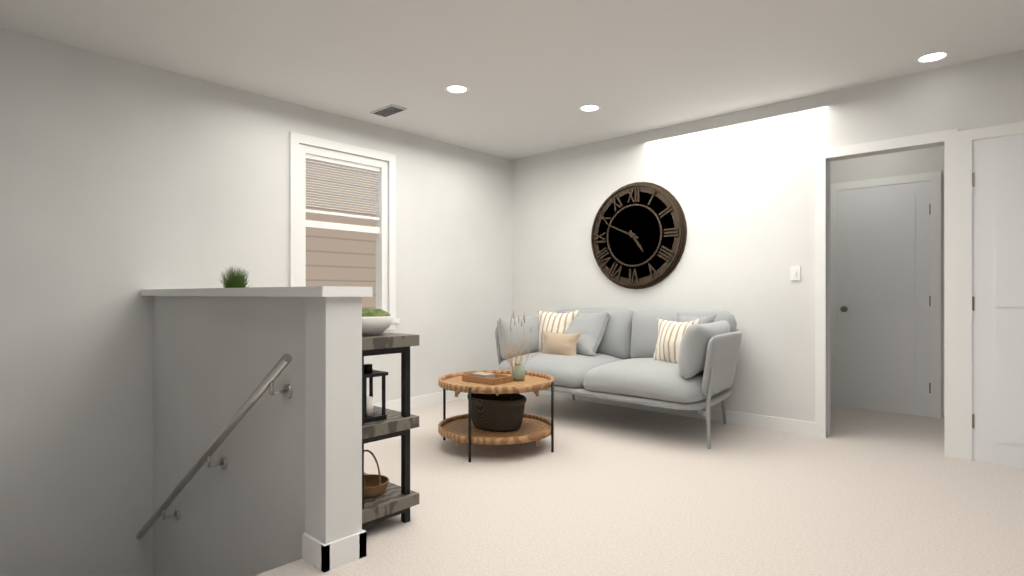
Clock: 4:49
